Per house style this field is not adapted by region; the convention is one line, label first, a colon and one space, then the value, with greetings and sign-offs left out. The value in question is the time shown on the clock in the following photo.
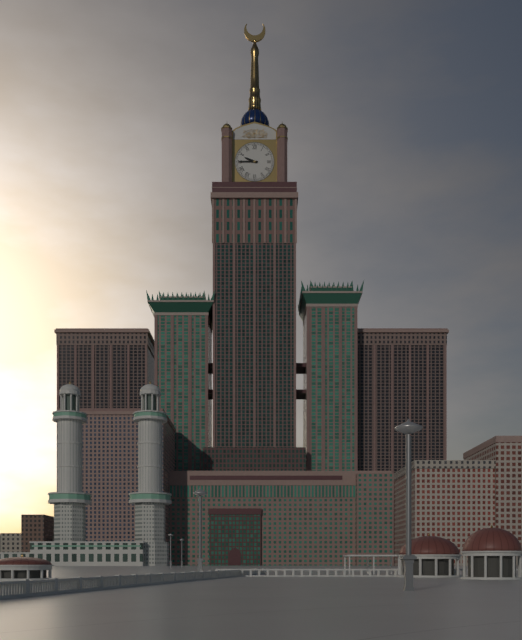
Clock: 9:45
